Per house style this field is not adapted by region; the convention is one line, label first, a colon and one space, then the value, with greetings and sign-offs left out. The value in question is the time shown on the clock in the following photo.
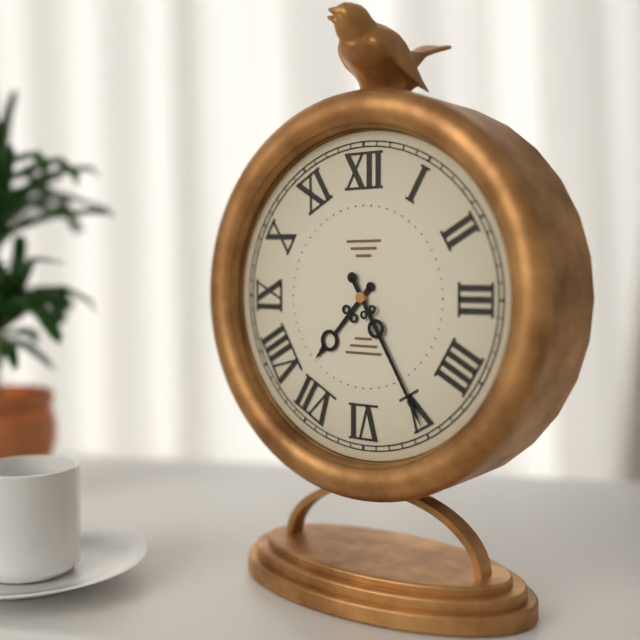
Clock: 7:25
